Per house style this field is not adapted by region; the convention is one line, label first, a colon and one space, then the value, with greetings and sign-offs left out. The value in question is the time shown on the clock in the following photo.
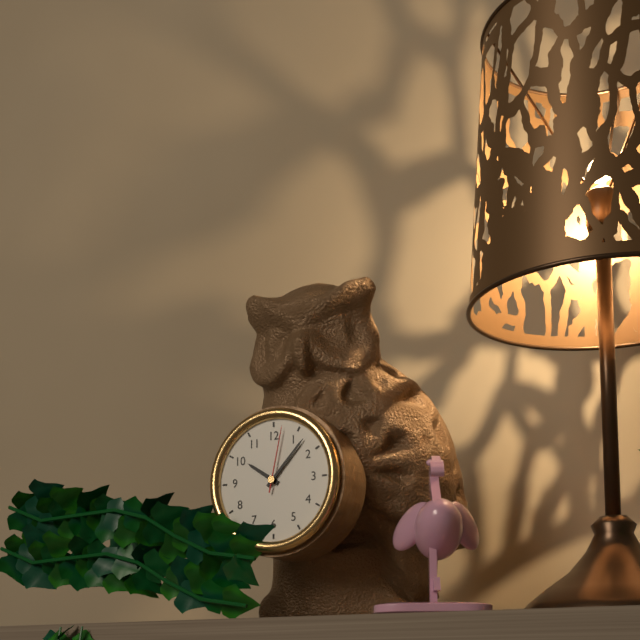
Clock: 10:07:02
